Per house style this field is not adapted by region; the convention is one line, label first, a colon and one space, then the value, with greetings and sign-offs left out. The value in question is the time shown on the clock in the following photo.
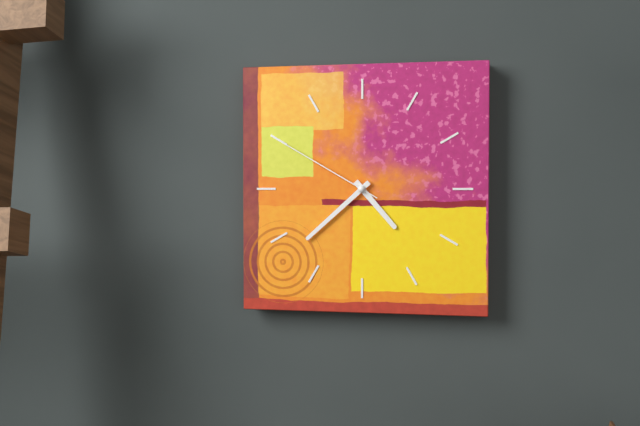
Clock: 4:38:50
